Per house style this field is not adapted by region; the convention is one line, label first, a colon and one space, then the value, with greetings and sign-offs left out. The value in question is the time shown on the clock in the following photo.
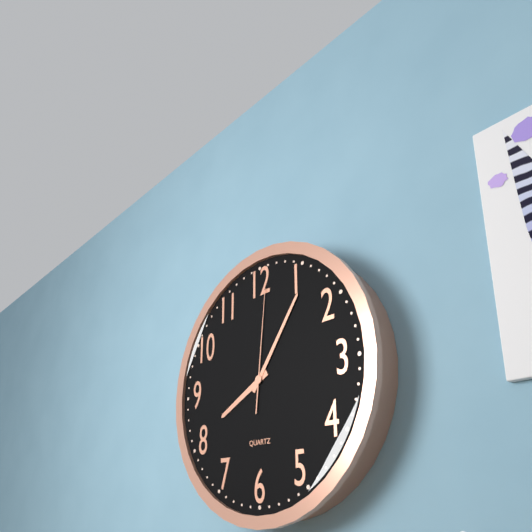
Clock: 8:06:01
